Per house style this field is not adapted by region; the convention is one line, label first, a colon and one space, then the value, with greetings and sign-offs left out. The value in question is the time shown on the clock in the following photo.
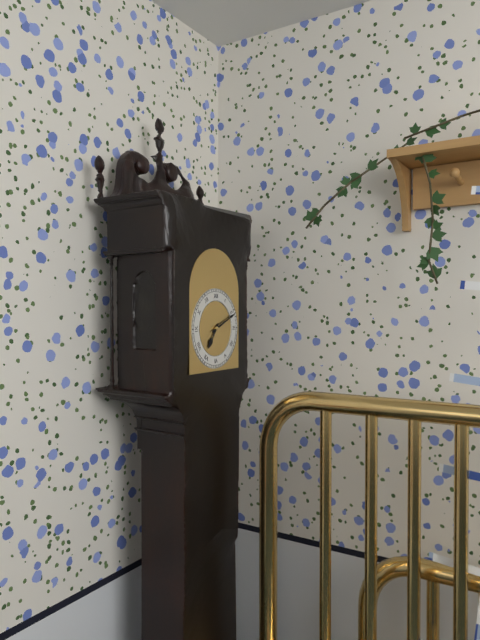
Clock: 7:11
